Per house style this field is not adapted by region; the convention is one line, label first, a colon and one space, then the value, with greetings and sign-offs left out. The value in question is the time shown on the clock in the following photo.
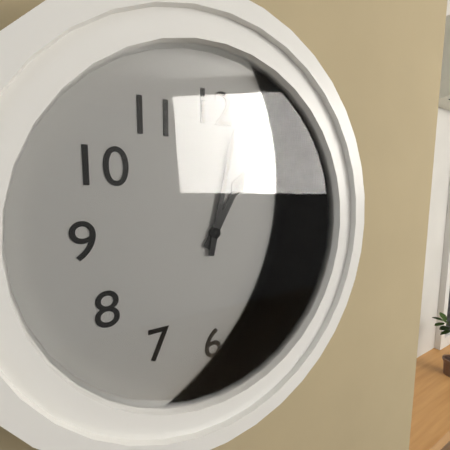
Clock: 1:02
